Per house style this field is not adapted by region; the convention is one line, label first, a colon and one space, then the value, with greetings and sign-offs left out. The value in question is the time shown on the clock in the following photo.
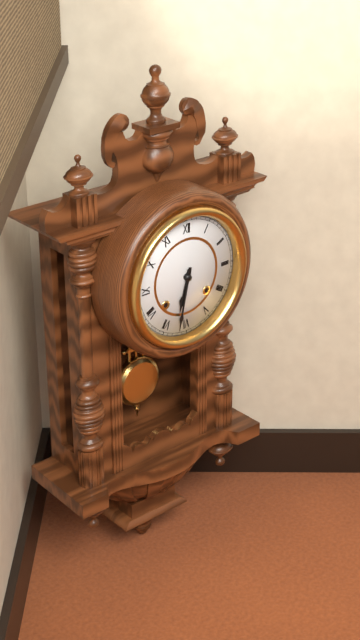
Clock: 6:32
